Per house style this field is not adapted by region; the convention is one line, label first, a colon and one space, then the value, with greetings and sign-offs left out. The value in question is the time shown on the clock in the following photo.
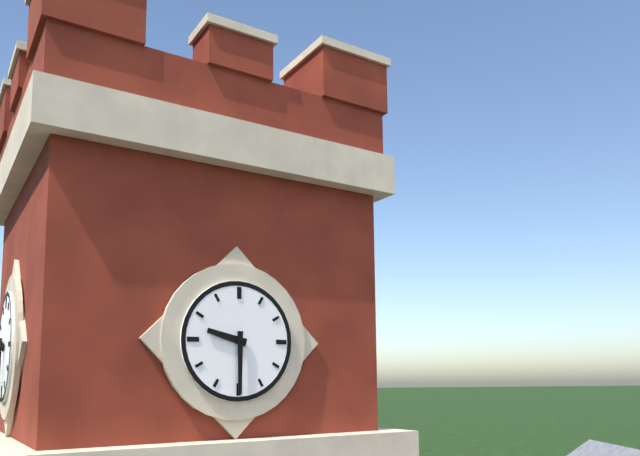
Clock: 9:30
